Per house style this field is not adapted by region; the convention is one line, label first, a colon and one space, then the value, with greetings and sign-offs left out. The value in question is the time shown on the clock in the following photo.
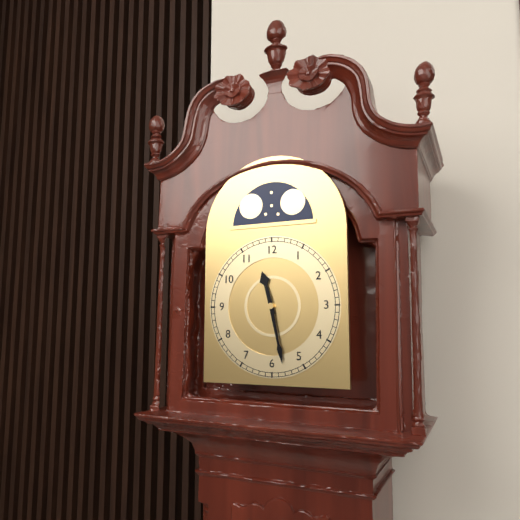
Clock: 11:28
